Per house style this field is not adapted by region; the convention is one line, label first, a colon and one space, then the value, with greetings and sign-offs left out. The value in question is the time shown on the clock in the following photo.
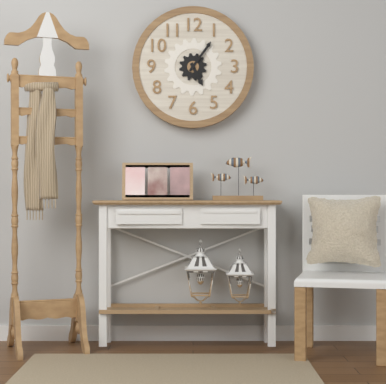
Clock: 5:06
